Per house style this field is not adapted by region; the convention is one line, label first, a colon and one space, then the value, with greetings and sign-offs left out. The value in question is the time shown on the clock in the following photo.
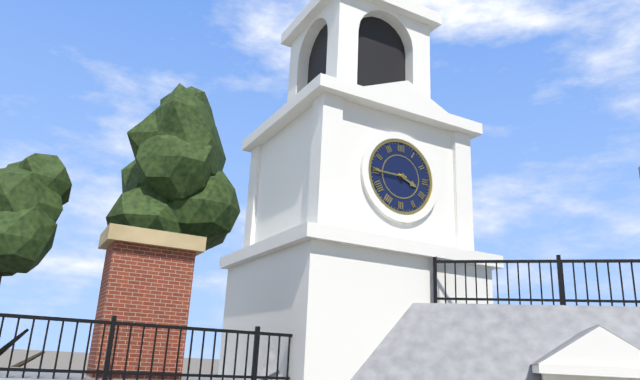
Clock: 3:45
